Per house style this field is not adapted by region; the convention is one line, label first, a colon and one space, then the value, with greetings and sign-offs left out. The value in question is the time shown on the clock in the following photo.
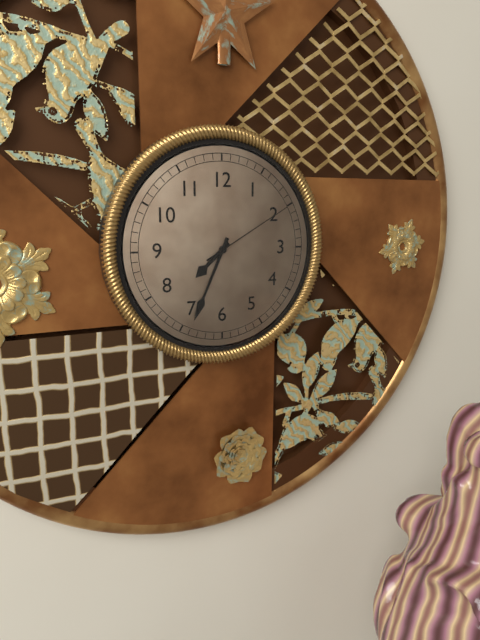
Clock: 7:34:10
